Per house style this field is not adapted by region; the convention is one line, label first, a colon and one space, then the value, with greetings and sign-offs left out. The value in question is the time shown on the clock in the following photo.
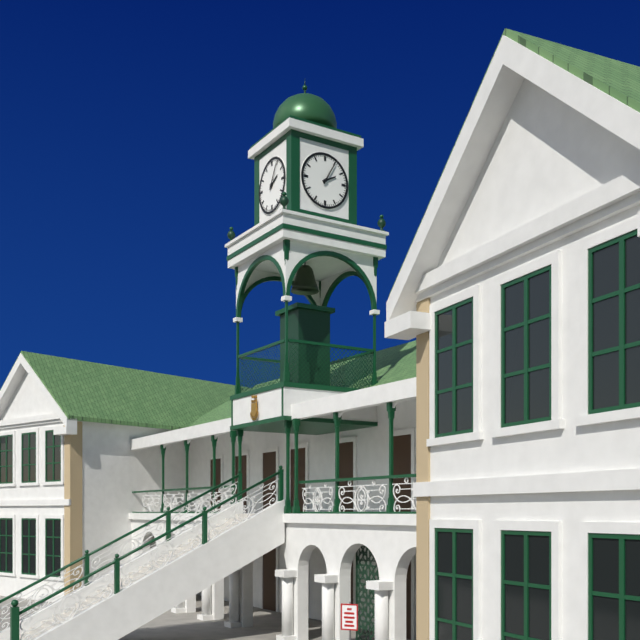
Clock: 2:05
